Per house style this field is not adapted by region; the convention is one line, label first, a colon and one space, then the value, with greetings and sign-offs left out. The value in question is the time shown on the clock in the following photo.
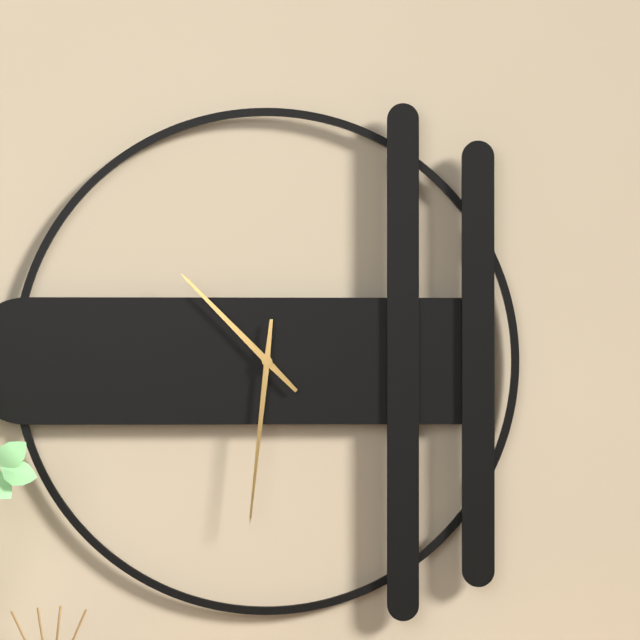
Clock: 10:31
